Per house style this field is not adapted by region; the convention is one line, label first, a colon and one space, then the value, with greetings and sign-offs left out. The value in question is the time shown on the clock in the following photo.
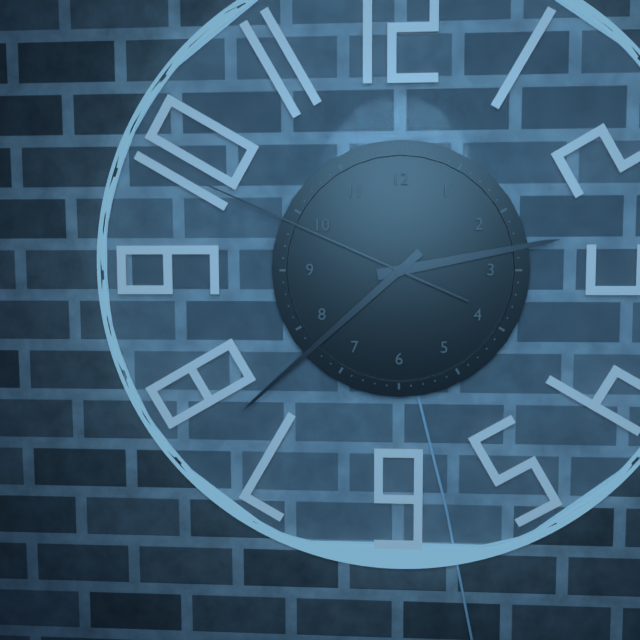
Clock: 2:38:49
